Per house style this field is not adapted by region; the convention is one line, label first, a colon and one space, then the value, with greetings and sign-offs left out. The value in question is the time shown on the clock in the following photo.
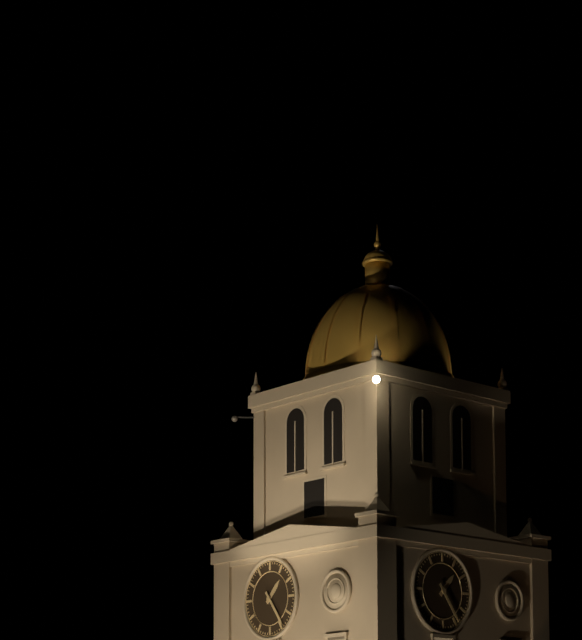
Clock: 1:24
